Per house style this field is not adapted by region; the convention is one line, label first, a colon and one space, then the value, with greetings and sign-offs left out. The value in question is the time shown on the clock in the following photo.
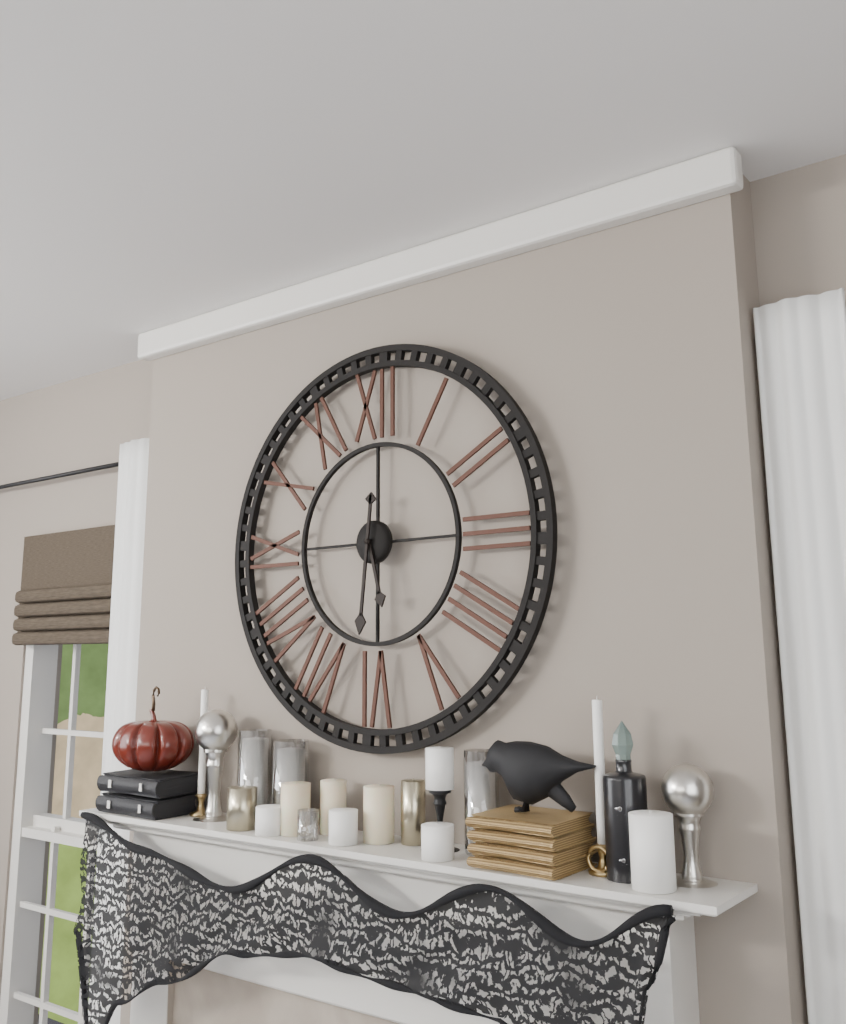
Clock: 5:31
